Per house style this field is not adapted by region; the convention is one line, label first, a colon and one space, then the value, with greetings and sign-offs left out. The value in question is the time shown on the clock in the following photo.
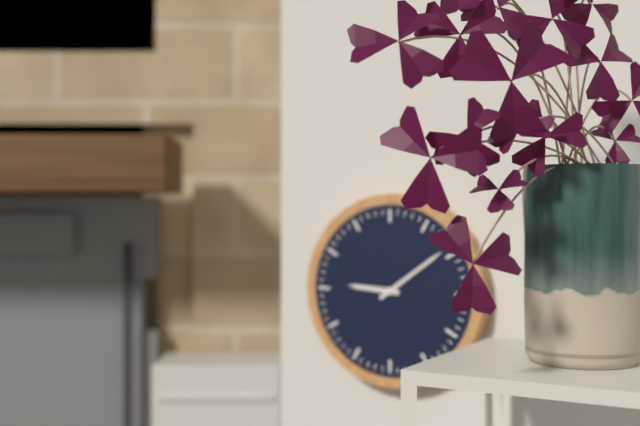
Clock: 9:09
